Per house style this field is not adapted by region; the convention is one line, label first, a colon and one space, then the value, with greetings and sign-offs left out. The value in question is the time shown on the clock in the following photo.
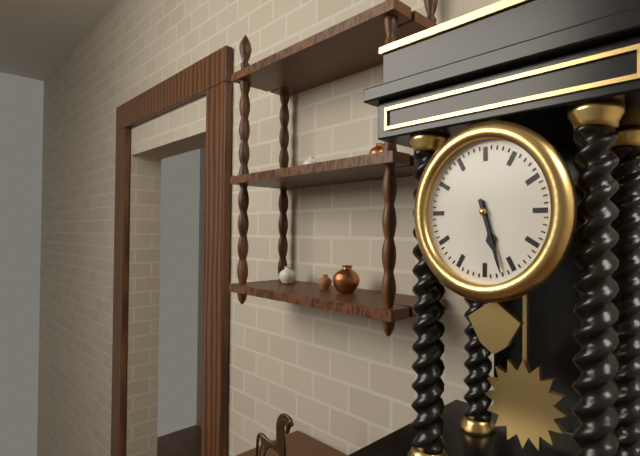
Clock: 5:27
